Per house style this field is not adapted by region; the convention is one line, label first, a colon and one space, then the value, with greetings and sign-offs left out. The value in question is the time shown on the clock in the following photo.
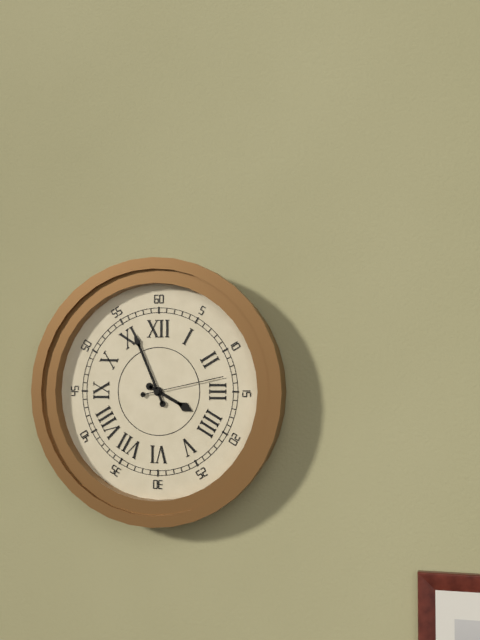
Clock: 3:56:13
